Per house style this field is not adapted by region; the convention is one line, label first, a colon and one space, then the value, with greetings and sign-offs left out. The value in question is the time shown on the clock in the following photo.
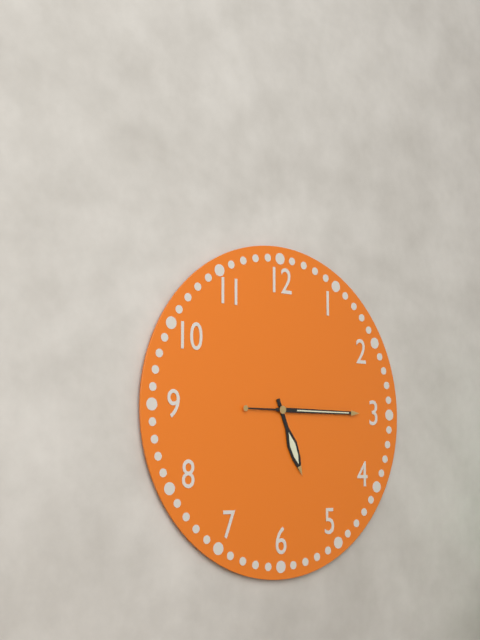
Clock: 5:15
